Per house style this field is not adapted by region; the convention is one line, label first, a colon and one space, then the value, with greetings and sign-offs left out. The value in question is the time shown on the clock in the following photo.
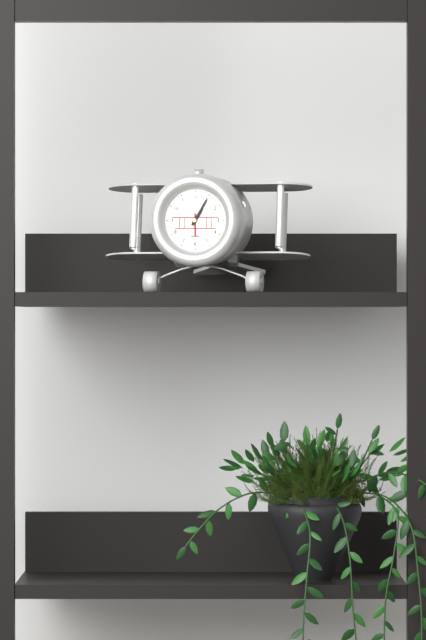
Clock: 1:05
